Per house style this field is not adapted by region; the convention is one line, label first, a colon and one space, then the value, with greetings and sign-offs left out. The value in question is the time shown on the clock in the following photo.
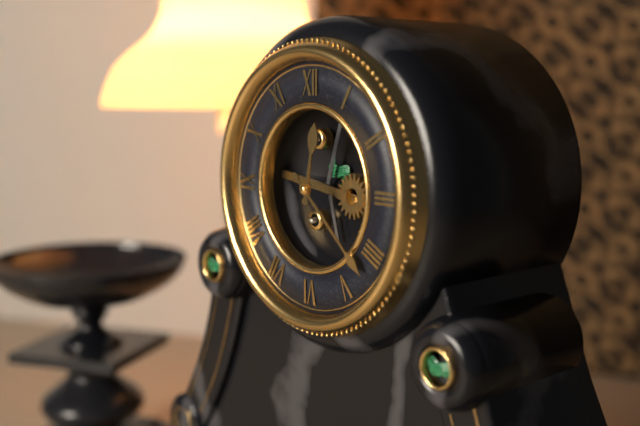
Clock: 12:22
